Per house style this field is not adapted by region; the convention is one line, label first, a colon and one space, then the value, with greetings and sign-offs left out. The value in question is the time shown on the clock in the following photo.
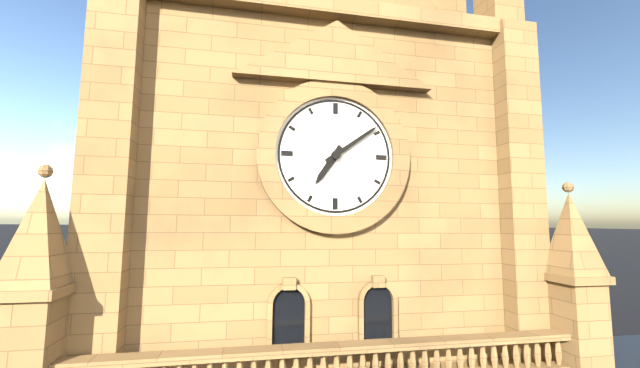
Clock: 7:09
